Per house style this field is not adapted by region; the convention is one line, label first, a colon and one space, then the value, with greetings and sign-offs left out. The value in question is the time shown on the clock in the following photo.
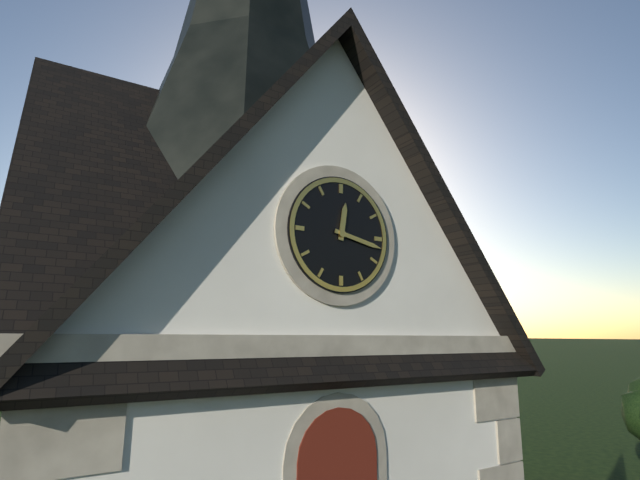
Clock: 12:17
